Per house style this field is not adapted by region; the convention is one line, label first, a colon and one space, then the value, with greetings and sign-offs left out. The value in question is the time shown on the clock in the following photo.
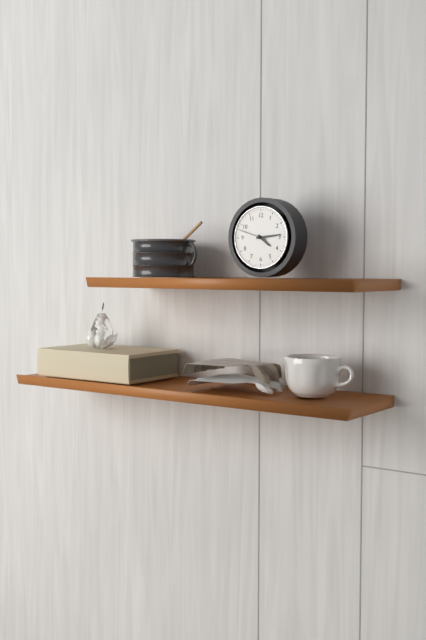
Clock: 4:14
